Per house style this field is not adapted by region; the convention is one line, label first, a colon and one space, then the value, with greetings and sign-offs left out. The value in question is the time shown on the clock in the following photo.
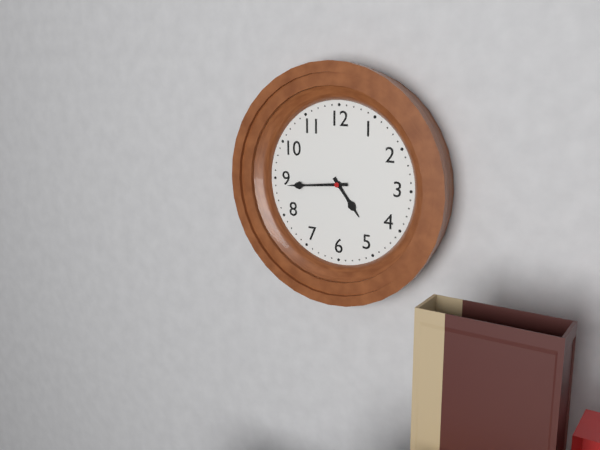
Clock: 4:44
